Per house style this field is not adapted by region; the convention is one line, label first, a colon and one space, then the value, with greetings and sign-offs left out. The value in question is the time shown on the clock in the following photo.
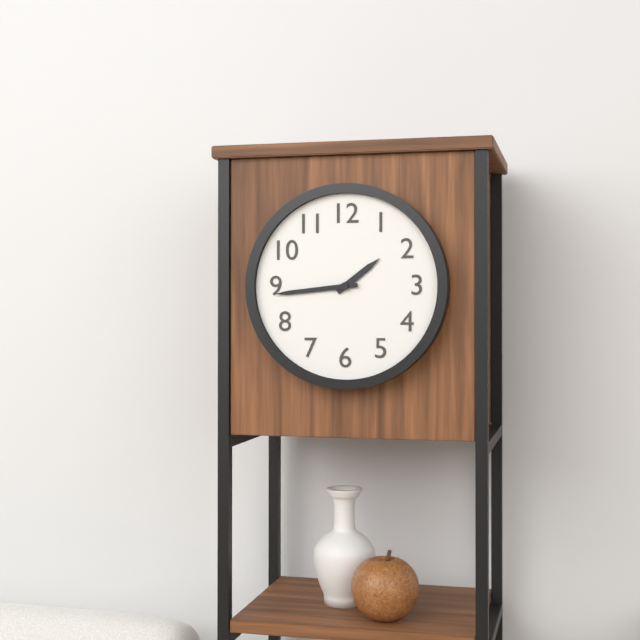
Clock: 1:44
